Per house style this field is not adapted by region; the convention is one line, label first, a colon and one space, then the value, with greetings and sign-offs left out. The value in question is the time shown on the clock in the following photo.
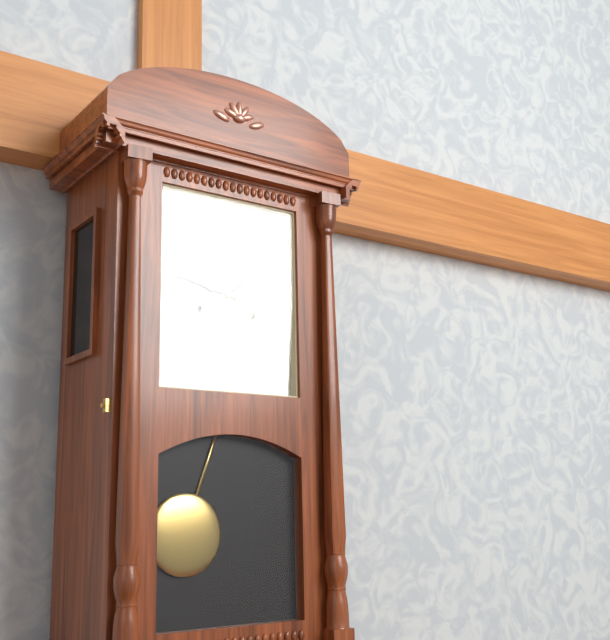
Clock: 1:47
